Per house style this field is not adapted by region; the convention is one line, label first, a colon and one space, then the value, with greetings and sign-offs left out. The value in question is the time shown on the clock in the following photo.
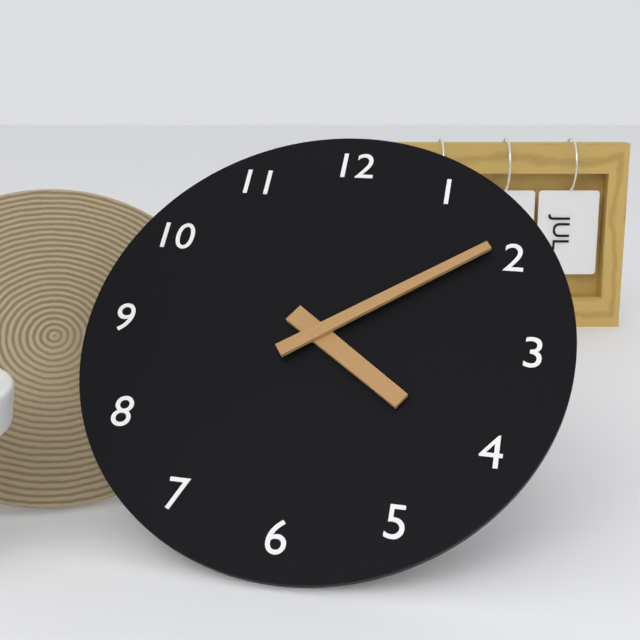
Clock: 4:09
